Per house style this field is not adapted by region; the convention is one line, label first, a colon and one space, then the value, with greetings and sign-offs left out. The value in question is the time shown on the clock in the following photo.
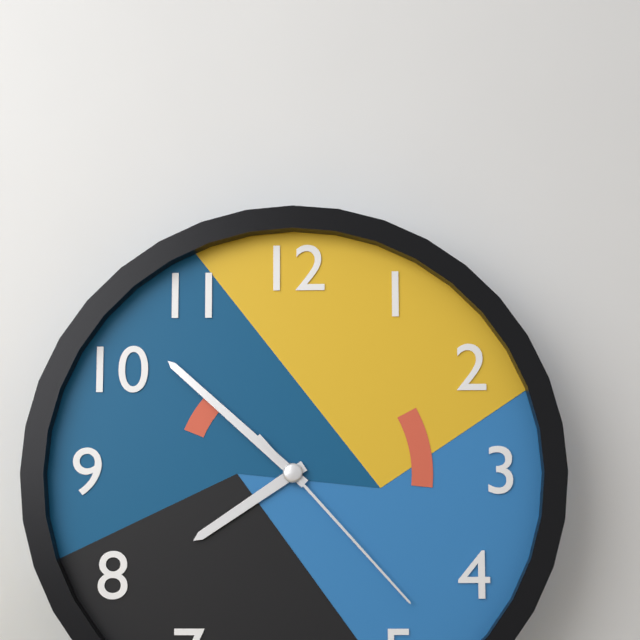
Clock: 7:52:23
